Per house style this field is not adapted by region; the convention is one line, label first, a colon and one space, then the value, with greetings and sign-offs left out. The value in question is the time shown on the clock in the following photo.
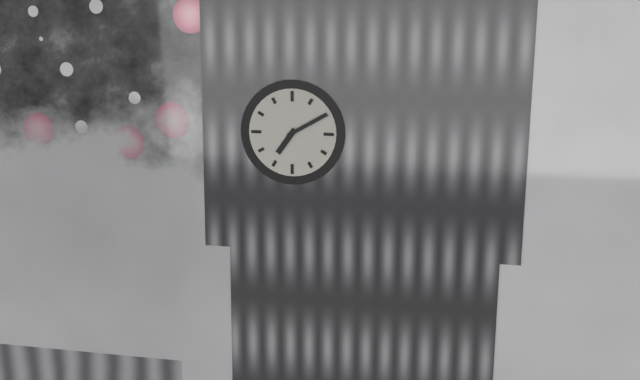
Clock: 7:10
